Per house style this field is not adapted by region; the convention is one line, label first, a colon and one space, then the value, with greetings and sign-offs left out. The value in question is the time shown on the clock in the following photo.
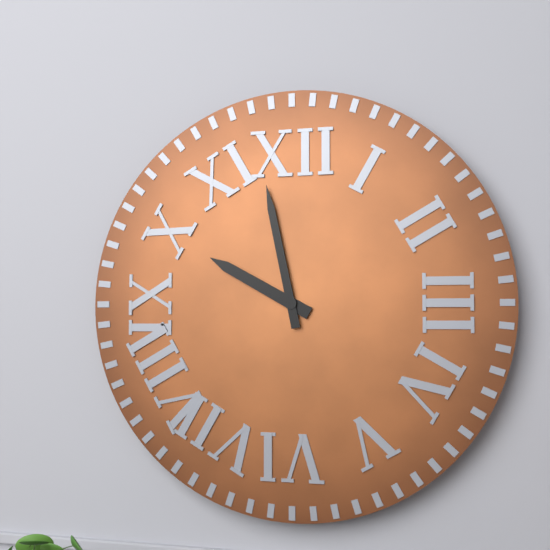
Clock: 9:58
